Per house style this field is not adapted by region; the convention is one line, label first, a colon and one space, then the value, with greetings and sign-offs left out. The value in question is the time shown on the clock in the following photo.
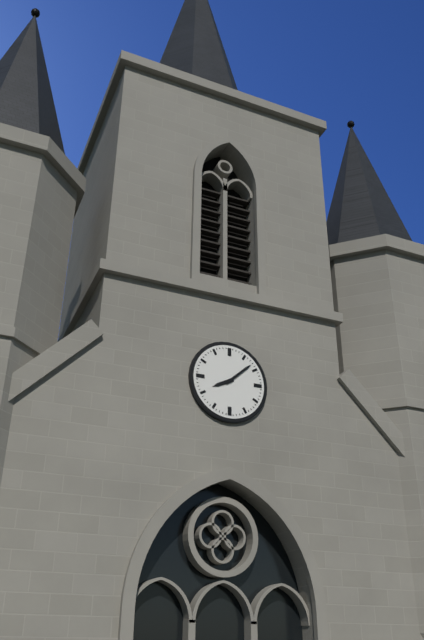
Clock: 8:08
